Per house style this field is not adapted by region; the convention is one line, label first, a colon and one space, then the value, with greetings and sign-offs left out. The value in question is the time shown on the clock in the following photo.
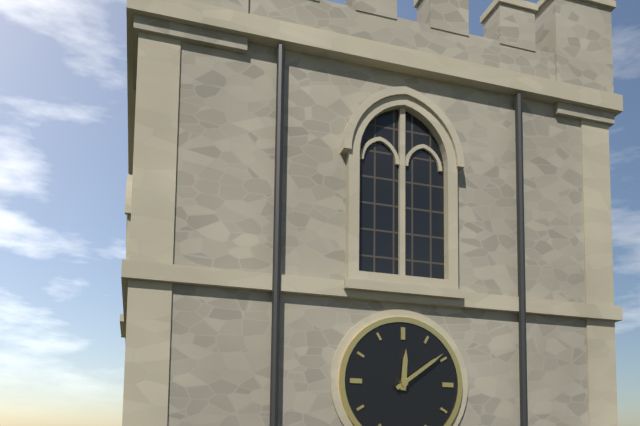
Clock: 12:09
